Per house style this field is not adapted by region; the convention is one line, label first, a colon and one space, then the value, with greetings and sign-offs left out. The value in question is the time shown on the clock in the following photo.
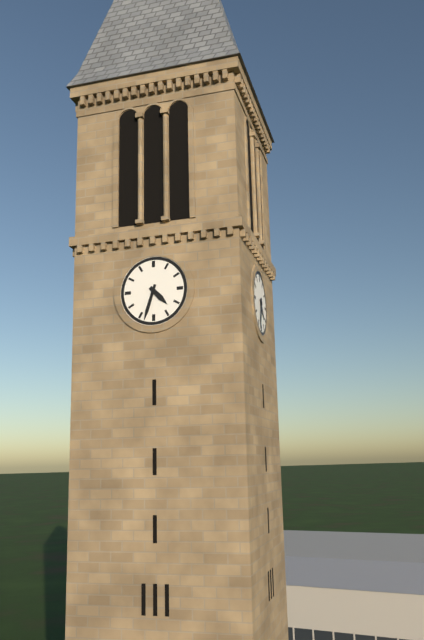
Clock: 4:33
